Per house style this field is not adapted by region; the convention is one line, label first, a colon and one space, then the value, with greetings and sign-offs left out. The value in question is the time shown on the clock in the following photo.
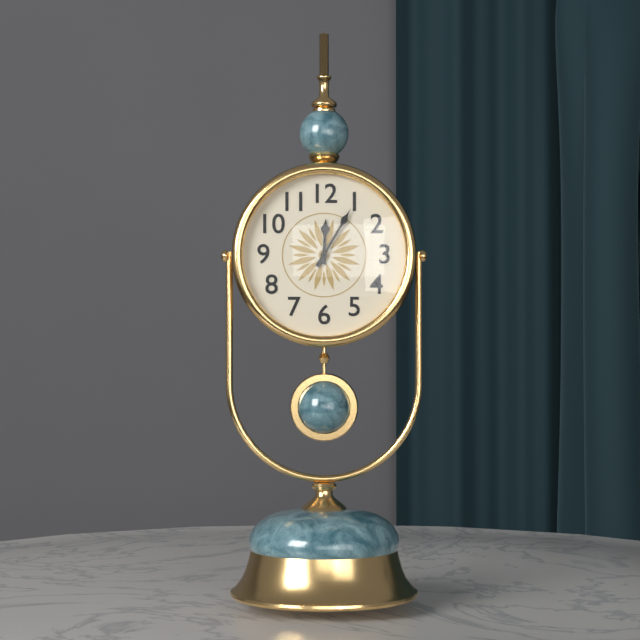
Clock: 12:05
